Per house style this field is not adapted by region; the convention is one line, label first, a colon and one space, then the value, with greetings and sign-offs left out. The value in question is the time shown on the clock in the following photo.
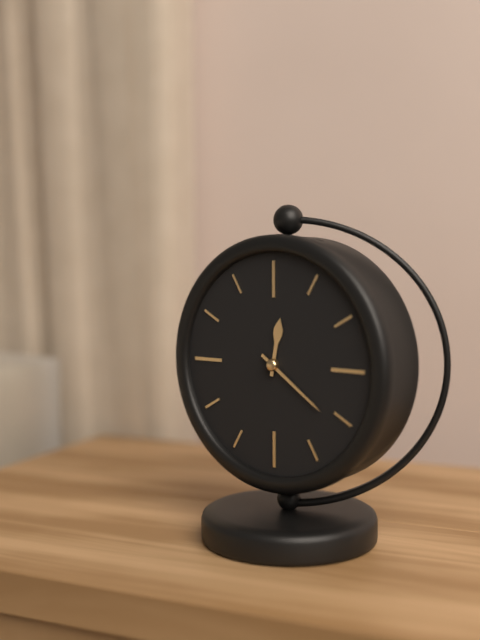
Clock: 12:21
